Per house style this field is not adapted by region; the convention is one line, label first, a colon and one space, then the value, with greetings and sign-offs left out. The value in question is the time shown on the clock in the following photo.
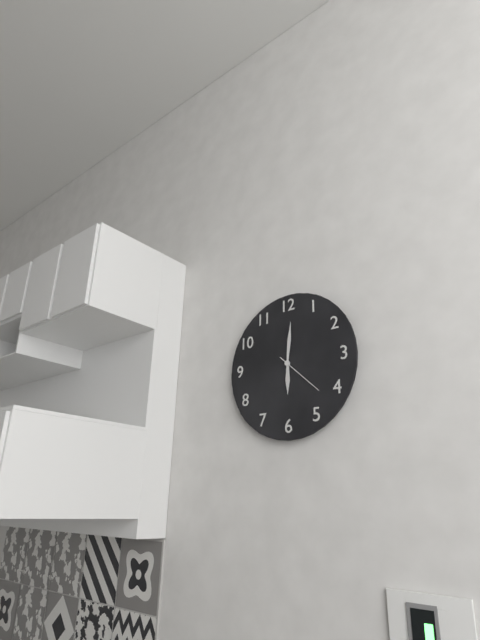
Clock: 6:01:22
